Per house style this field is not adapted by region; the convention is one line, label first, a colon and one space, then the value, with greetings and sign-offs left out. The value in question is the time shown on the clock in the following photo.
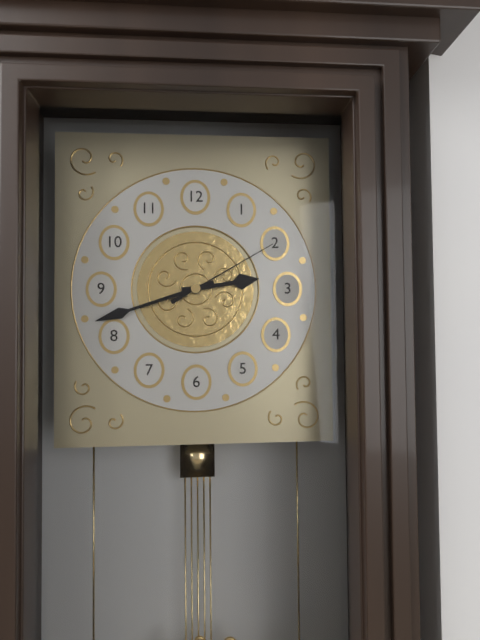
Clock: 2:42:10
